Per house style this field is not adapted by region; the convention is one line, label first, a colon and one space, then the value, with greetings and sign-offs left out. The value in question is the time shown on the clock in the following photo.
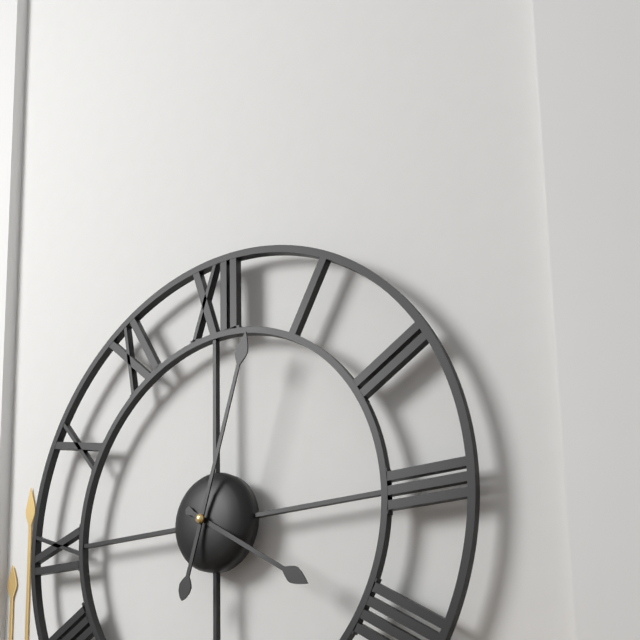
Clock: 4:03
